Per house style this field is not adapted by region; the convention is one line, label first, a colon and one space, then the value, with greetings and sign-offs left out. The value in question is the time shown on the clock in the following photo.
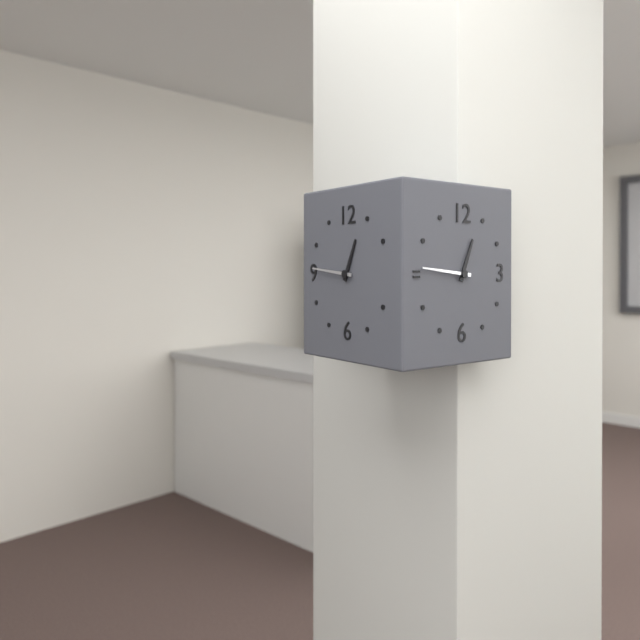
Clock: 12:46
